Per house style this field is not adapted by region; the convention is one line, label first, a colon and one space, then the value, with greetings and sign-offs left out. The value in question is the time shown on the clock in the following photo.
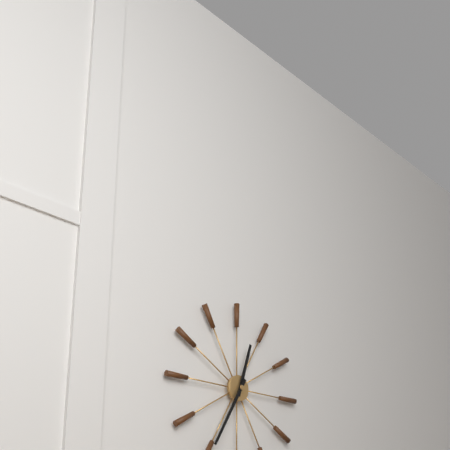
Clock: 12:35
